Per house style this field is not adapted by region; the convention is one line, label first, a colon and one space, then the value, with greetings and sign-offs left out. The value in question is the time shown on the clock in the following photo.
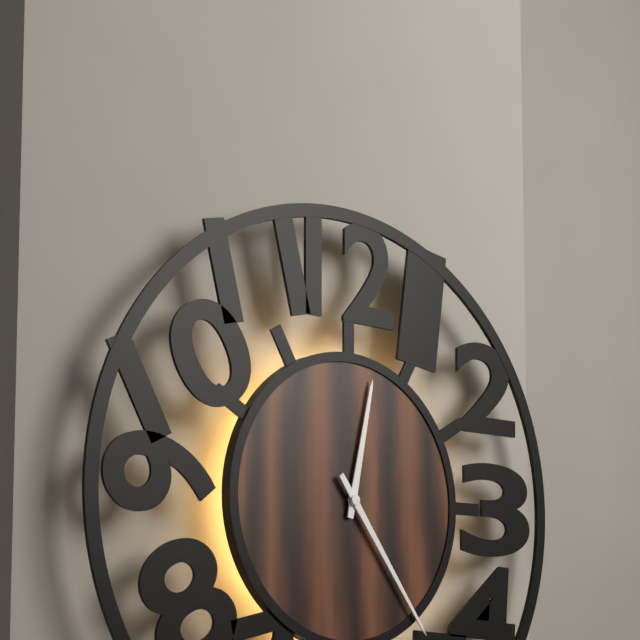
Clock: 12:24
